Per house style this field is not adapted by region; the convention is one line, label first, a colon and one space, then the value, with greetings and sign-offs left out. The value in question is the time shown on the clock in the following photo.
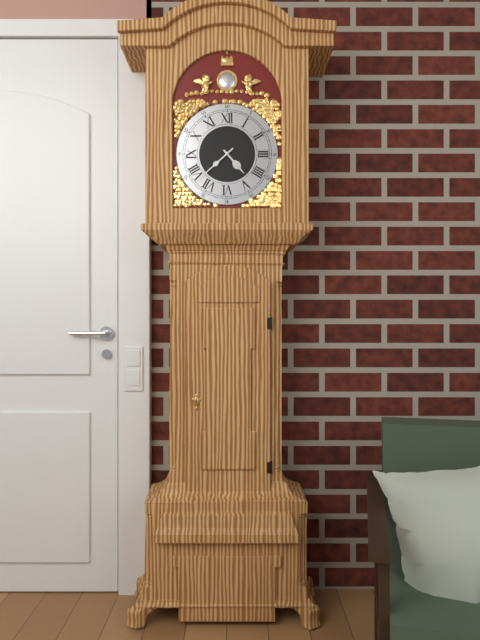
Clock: 4:38
